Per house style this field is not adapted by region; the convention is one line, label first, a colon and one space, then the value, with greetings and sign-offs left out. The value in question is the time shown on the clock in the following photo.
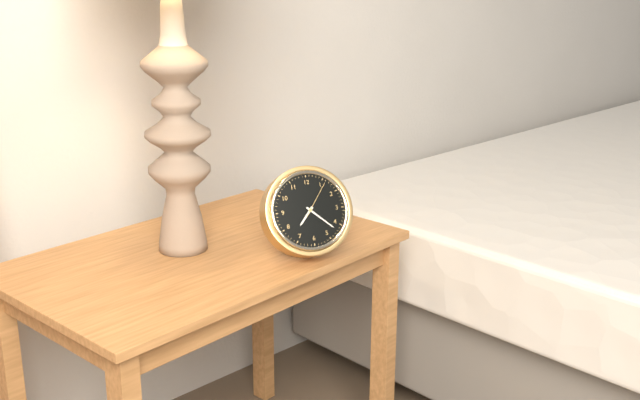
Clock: 7:22
